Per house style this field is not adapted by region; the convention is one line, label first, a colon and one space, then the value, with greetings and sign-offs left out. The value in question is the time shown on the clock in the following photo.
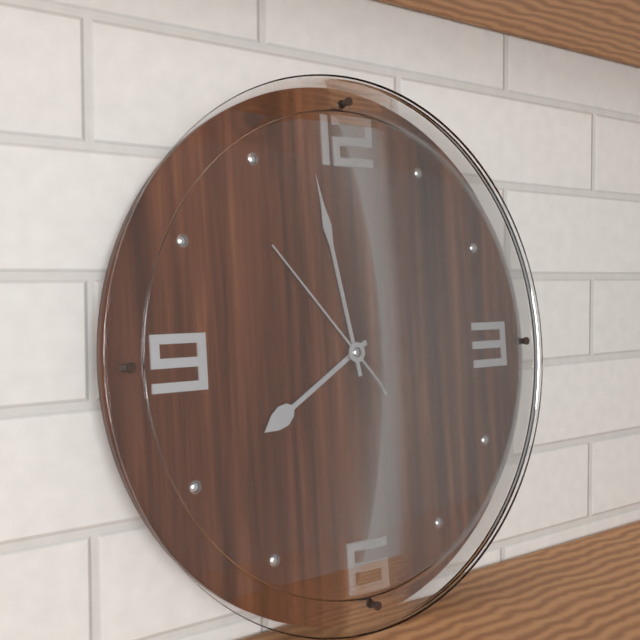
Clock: 7:58:53
